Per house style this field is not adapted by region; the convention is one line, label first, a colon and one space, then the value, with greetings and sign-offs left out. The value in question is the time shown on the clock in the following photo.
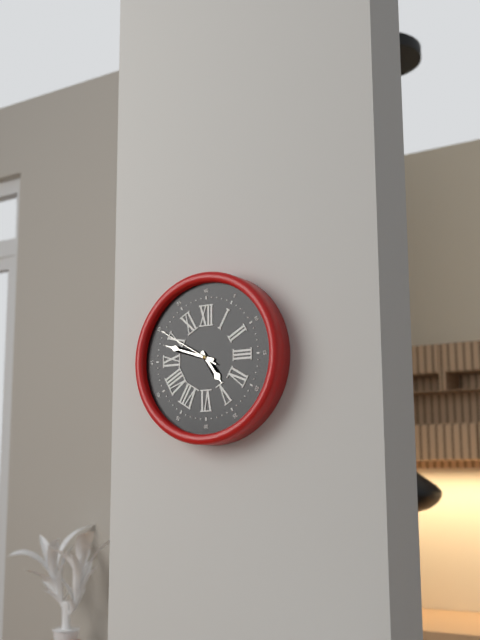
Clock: 4:48:50
